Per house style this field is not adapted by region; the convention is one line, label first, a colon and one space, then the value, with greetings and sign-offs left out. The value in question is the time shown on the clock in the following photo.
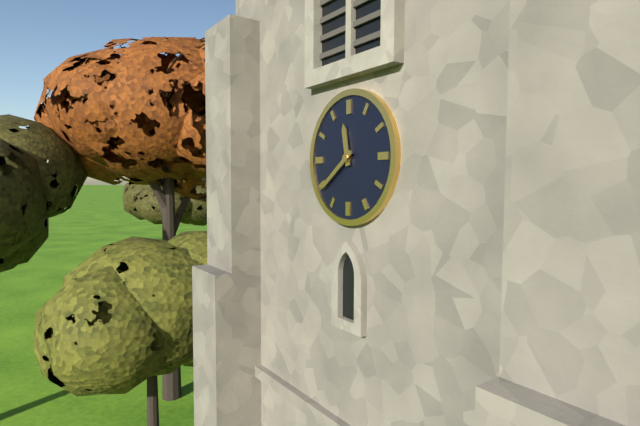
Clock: 11:39
